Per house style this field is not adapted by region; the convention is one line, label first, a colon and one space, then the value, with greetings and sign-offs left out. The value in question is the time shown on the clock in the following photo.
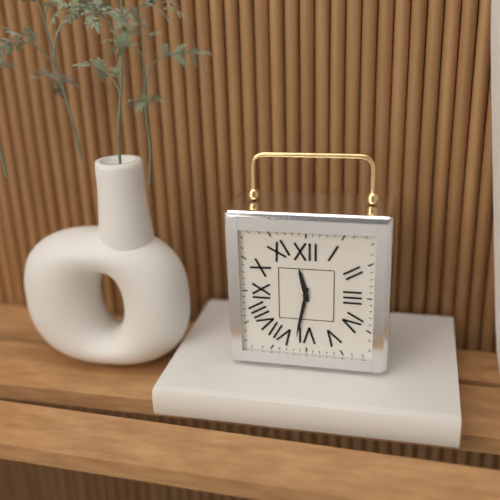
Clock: 11:32
